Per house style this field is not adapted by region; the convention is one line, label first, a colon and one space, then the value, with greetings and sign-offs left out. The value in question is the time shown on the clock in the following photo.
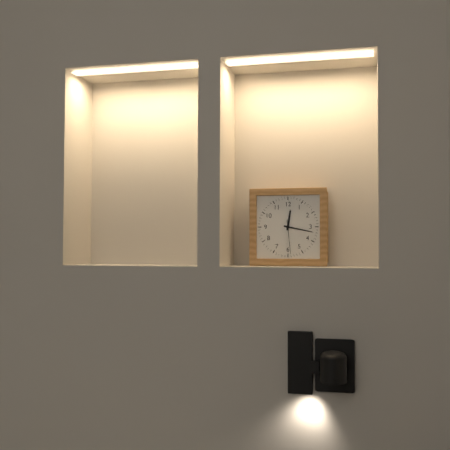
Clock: 12:17
